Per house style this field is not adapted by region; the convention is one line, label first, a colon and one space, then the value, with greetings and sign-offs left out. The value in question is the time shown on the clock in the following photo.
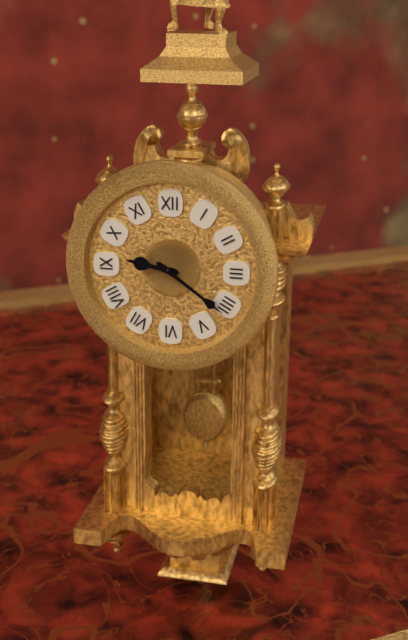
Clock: 9:21
